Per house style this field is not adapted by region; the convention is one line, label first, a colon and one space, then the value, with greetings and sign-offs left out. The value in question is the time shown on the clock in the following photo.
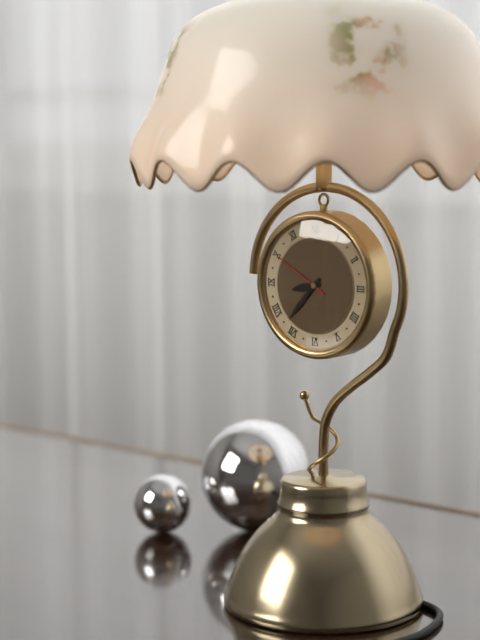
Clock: 8:37:50
